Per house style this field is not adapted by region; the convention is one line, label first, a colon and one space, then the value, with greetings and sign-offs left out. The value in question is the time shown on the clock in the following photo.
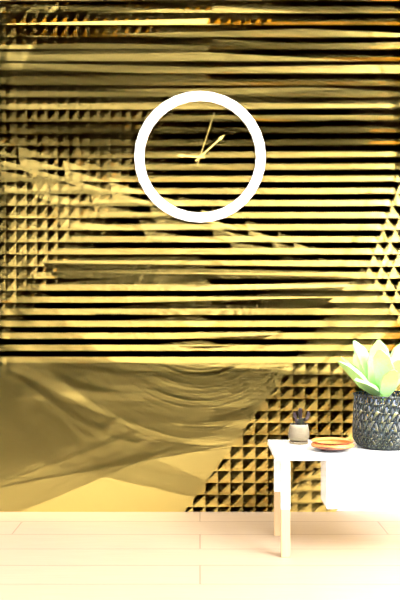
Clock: 9:08:03
